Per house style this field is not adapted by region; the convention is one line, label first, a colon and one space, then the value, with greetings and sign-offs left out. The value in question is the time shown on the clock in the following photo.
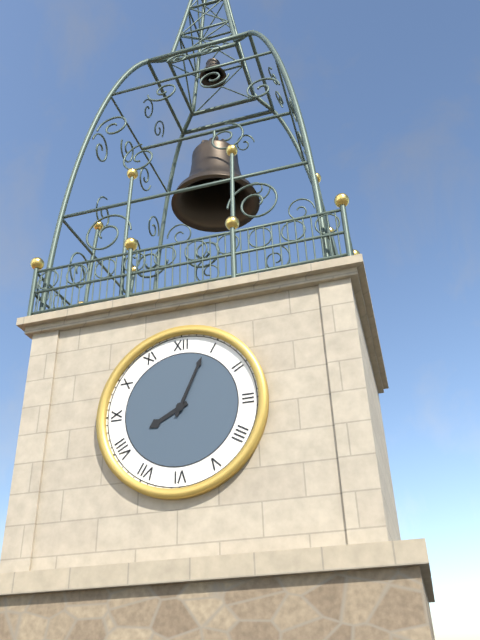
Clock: 8:04
